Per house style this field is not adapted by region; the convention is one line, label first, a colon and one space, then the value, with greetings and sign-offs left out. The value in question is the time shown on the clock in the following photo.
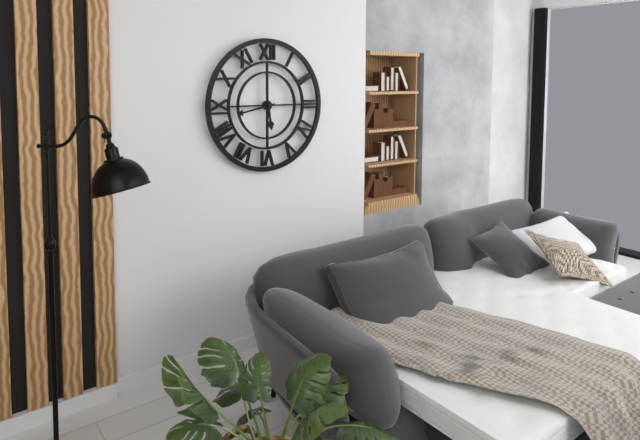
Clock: 5:43
